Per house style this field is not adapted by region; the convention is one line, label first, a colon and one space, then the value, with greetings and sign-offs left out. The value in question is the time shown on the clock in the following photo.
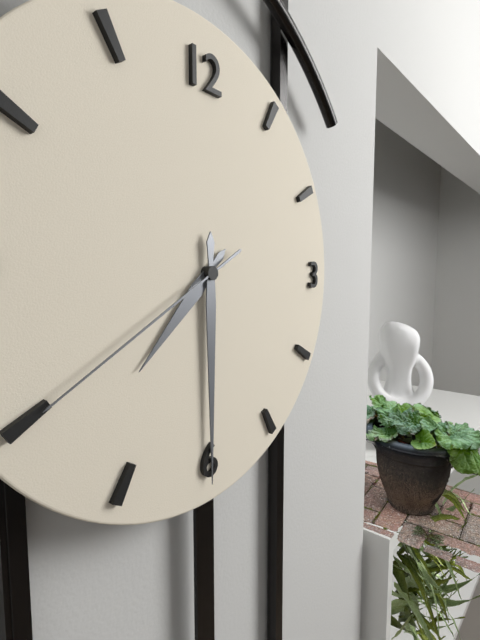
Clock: 7:30:40
